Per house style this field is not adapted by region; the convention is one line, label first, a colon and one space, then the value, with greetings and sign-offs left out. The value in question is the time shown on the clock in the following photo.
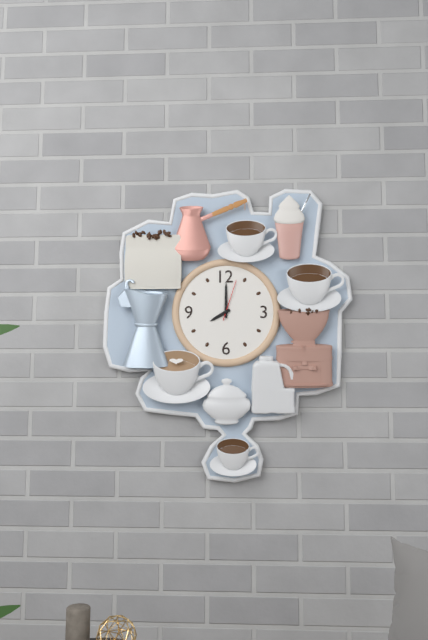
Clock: 8:00
